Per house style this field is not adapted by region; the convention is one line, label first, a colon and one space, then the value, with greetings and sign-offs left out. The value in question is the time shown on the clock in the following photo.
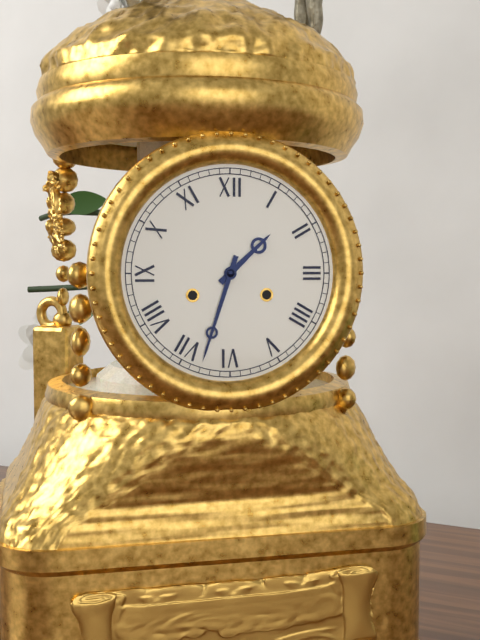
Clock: 1:33
